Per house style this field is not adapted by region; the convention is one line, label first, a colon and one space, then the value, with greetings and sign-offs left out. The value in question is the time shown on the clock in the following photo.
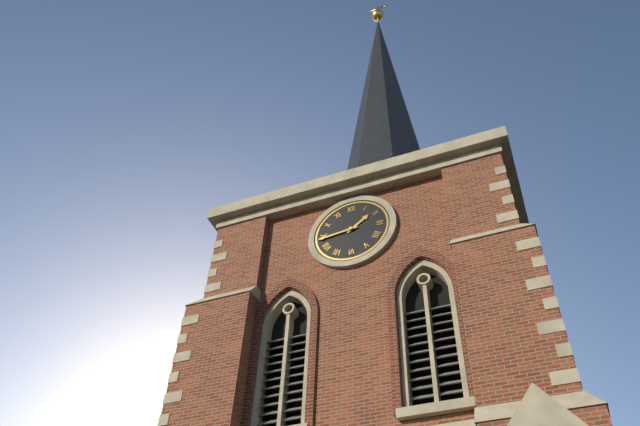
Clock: 1:44
